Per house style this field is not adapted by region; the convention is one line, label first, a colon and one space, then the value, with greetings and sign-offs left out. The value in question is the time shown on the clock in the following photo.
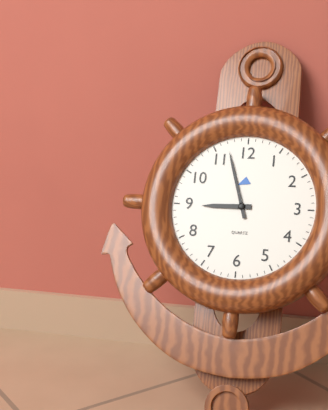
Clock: 8:57
